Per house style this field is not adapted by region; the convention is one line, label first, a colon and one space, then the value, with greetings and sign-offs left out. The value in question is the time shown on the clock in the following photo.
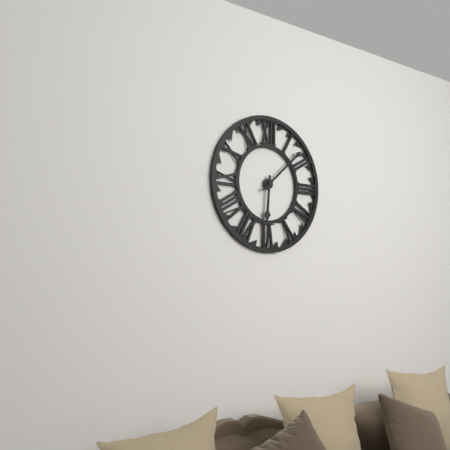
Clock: 6:08
